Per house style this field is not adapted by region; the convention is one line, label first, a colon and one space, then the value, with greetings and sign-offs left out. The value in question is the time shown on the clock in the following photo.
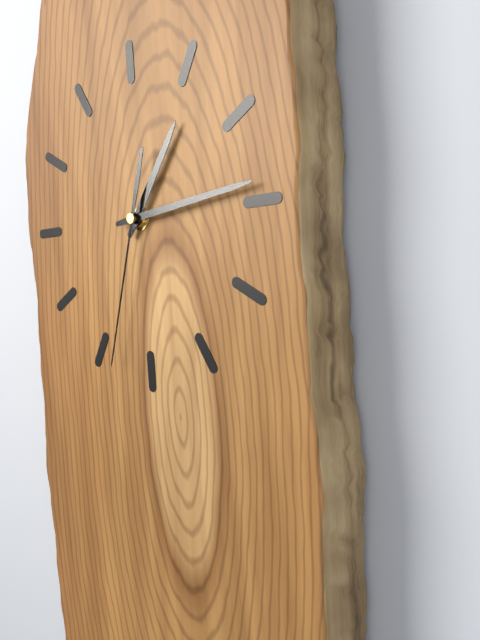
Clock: 1:14:33
